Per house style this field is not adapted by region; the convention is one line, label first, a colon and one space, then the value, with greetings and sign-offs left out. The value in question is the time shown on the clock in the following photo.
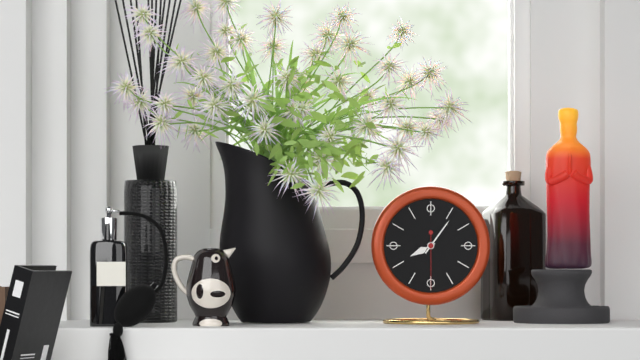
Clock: 8:06:30
